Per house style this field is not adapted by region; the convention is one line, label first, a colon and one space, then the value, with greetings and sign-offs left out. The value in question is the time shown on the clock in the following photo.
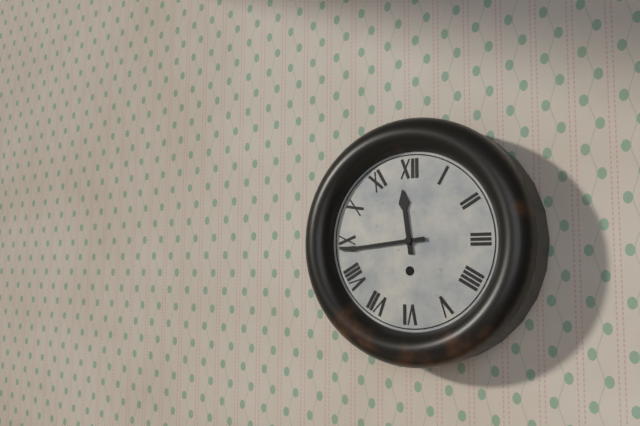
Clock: 11:44
